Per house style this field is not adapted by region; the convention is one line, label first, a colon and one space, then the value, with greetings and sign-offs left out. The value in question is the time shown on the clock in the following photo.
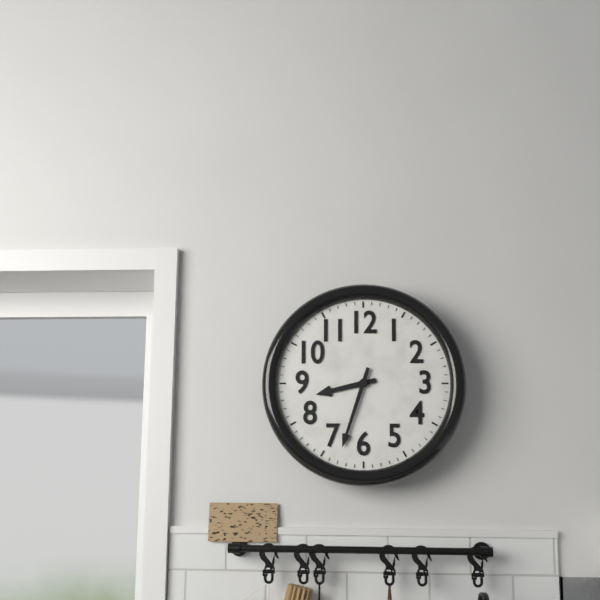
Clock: 8:33
